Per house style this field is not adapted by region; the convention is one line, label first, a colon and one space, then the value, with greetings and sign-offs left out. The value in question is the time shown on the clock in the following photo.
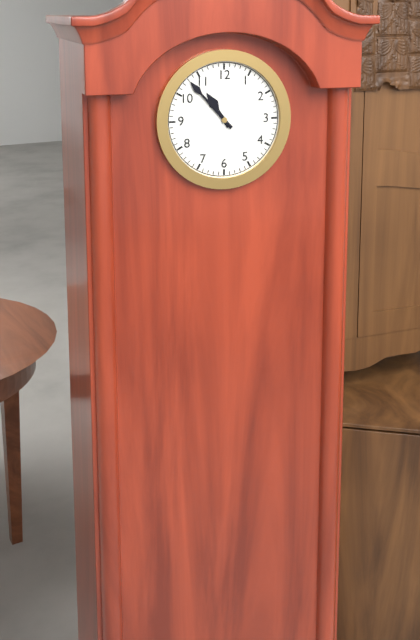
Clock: 10:53
